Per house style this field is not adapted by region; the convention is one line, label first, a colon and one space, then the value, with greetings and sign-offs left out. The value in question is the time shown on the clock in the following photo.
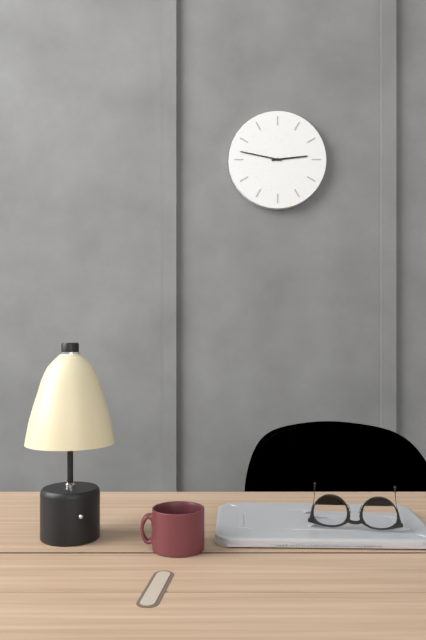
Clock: 2:47
